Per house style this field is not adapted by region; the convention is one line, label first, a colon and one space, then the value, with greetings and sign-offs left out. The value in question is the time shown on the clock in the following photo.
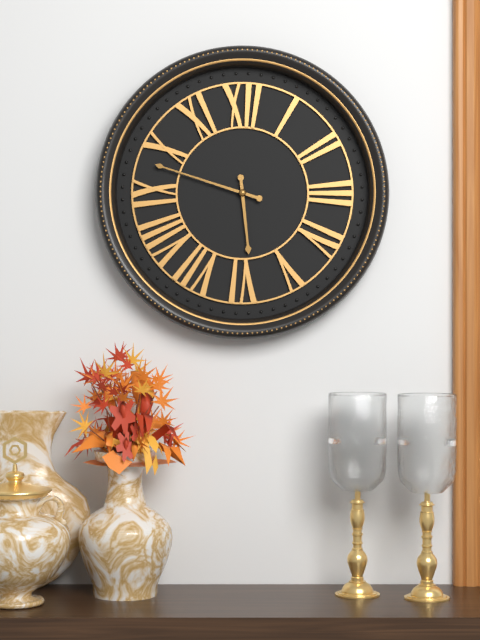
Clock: 5:48
